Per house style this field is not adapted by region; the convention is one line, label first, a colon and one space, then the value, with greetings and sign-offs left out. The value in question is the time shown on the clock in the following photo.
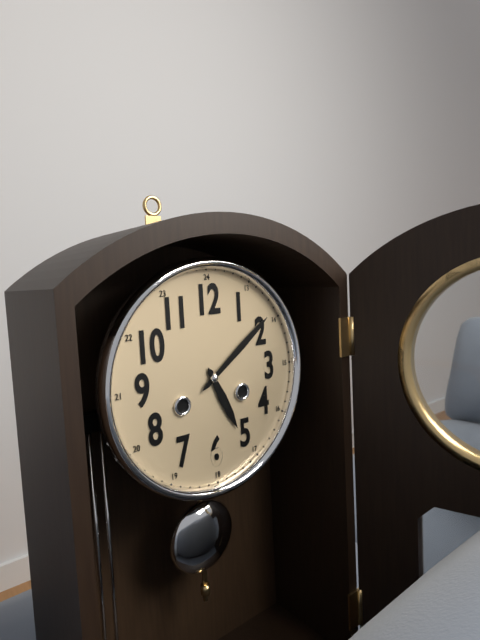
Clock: 5:09
